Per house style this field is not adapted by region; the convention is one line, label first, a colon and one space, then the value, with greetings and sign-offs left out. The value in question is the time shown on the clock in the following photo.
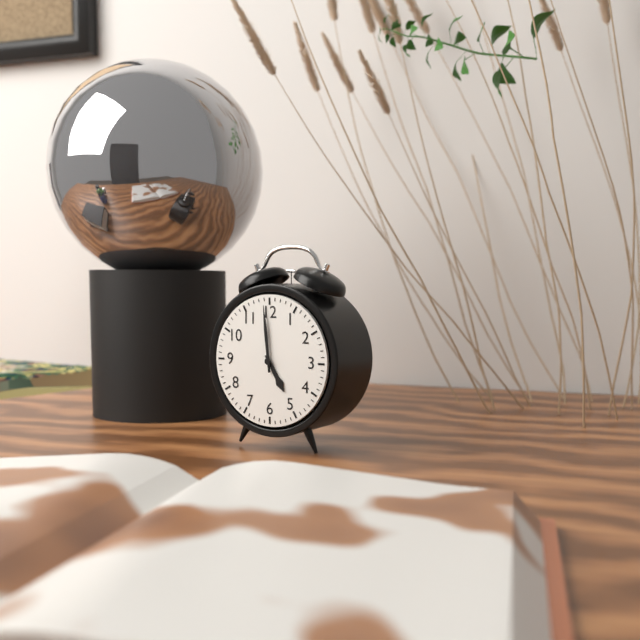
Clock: 4:59
